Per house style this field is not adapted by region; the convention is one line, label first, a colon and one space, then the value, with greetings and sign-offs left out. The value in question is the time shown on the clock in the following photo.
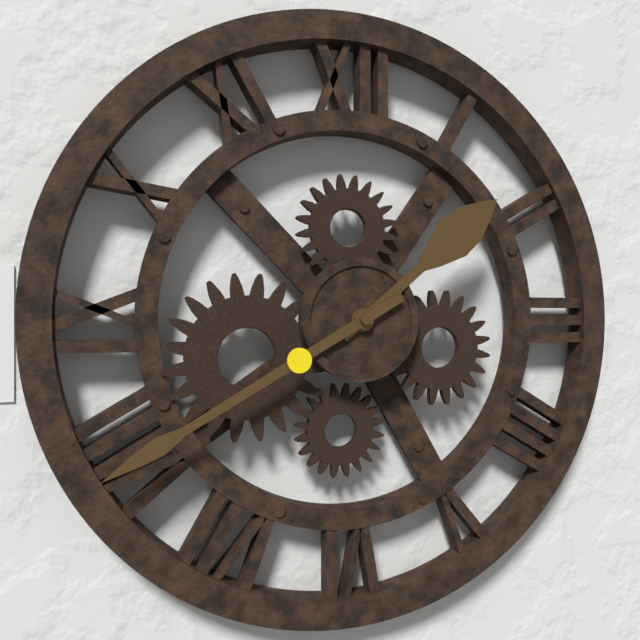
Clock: 1:40
